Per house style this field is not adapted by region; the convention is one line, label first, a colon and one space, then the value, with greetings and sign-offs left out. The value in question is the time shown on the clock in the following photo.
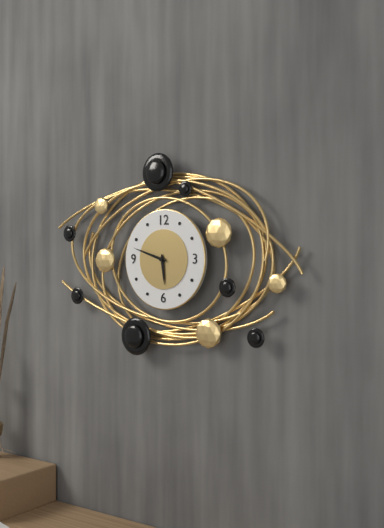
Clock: 5:48
